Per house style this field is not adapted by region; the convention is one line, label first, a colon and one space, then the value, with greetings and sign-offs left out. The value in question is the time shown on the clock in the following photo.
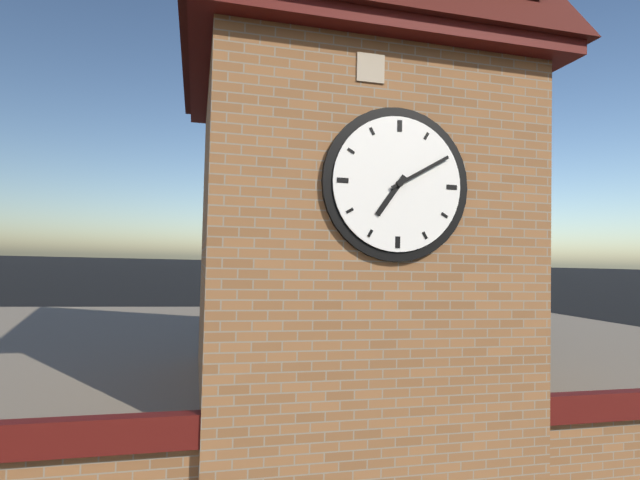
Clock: 7:10
